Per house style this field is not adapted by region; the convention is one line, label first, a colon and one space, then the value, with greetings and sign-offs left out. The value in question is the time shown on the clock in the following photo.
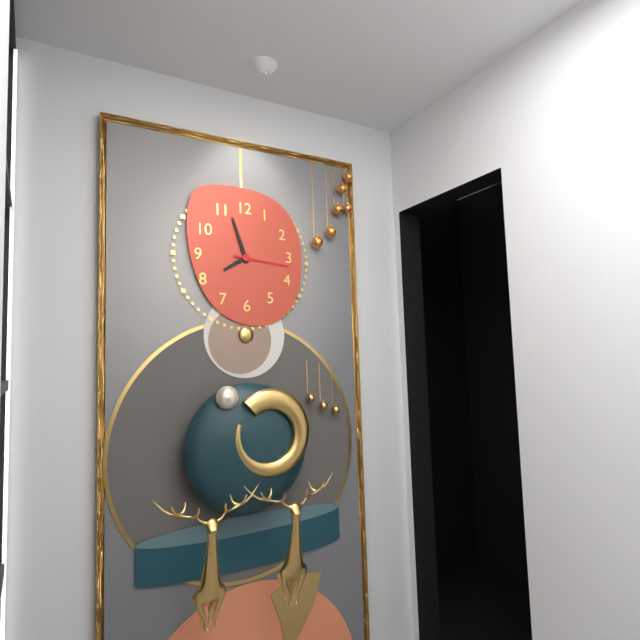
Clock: 7:57:16
